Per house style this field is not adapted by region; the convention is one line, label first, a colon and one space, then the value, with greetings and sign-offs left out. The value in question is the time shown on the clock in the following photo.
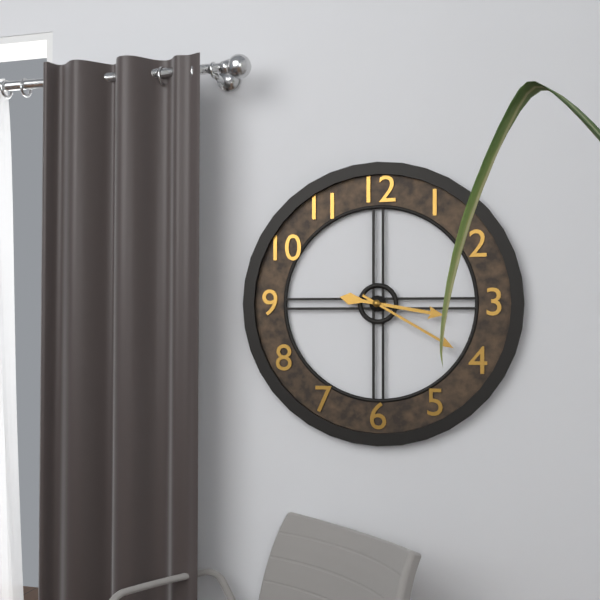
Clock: 3:20
